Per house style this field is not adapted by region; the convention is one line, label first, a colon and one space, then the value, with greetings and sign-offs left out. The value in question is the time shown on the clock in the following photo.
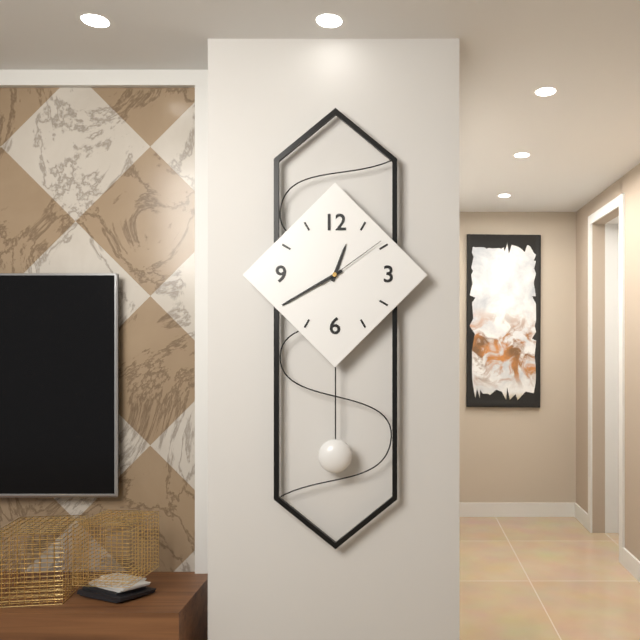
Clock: 12:40:09
